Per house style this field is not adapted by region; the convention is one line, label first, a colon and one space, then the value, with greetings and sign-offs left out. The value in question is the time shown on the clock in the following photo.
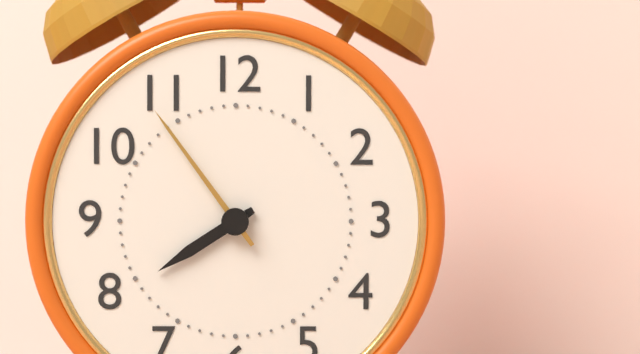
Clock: 7:54
